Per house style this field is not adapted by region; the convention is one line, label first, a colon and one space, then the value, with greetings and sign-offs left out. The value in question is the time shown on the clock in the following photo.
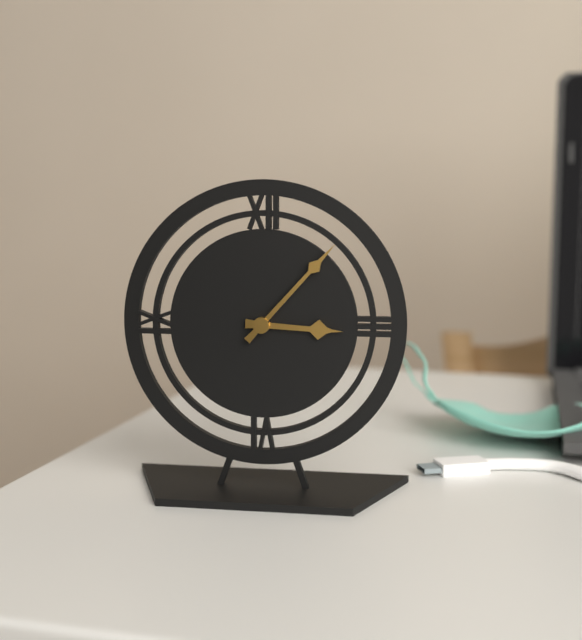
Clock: 3:07
